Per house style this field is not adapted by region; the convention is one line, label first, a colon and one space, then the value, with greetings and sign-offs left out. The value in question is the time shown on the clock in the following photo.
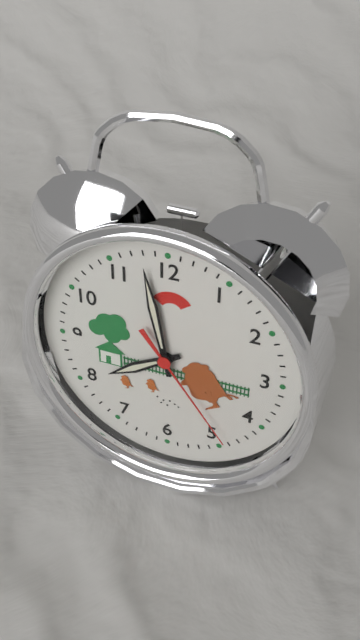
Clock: 7:58:24
